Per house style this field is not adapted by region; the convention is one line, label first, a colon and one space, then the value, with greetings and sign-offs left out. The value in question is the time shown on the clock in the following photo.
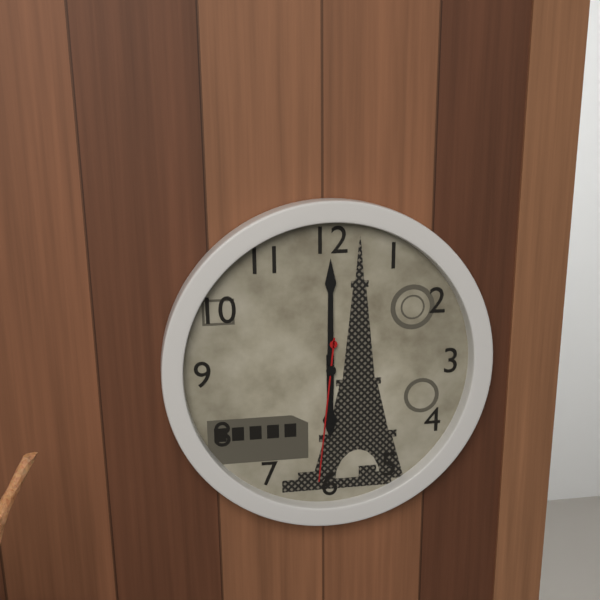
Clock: 6:00:31
